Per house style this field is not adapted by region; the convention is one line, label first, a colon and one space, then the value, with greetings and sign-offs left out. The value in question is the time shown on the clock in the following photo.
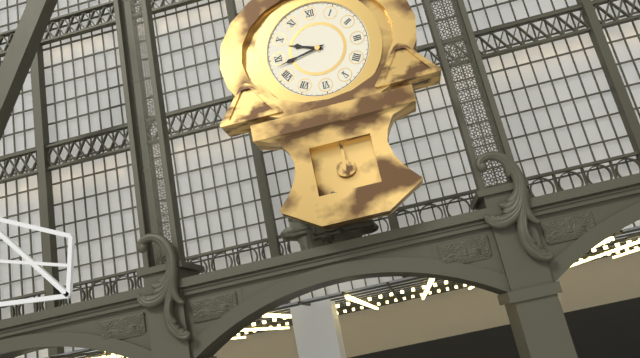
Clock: 9:43
